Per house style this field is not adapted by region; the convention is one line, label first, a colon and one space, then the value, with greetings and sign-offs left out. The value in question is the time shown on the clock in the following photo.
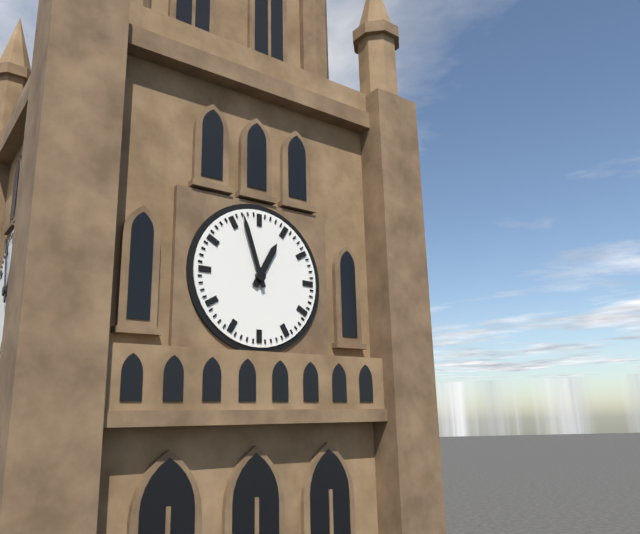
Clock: 12:57
